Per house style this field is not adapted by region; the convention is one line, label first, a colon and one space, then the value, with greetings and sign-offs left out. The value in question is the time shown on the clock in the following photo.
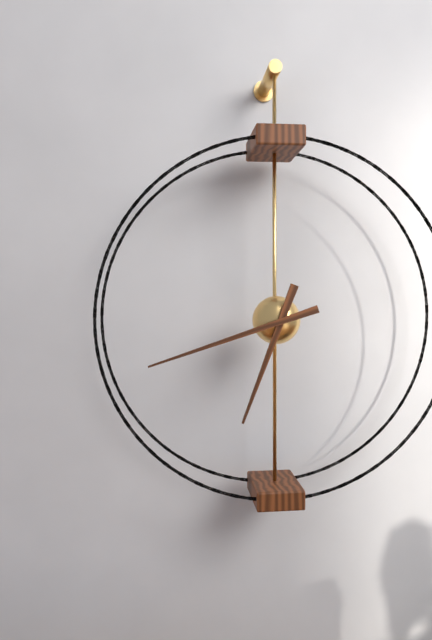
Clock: 6:42
